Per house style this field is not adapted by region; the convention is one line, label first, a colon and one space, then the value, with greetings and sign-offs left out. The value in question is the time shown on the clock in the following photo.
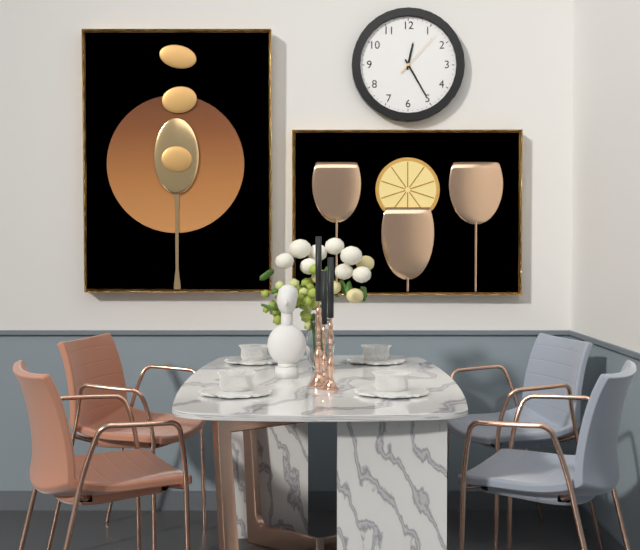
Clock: 12:25:07
